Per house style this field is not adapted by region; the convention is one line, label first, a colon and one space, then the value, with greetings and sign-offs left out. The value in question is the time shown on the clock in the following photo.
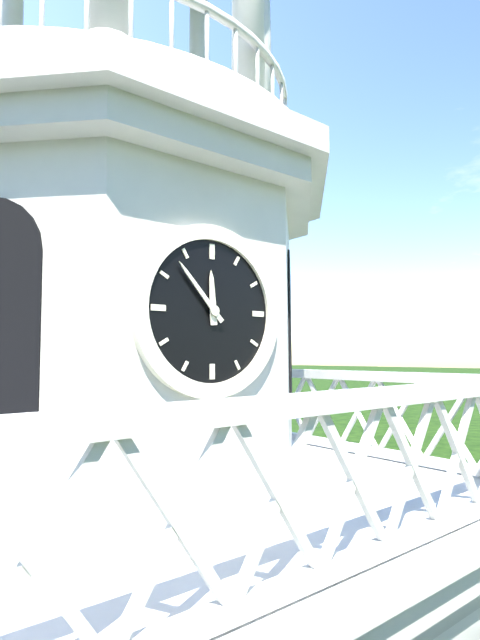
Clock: 11:53
